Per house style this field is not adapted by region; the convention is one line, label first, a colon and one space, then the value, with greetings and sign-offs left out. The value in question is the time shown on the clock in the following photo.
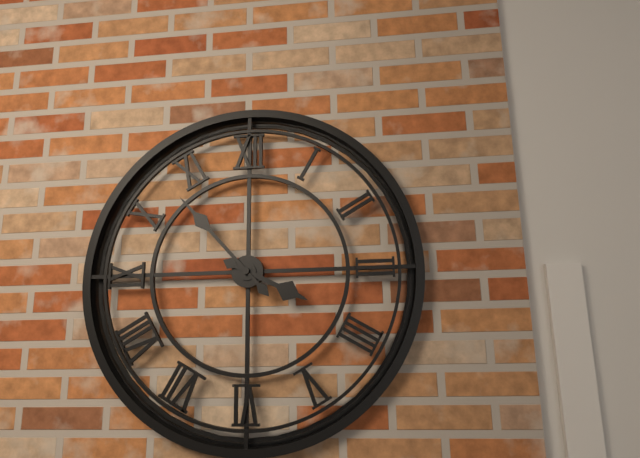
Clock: 3:53
